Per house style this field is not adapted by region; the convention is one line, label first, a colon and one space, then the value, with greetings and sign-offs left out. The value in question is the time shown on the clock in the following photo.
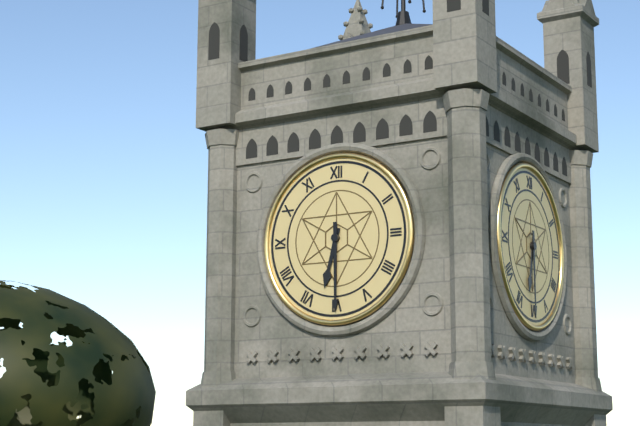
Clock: 6:30
